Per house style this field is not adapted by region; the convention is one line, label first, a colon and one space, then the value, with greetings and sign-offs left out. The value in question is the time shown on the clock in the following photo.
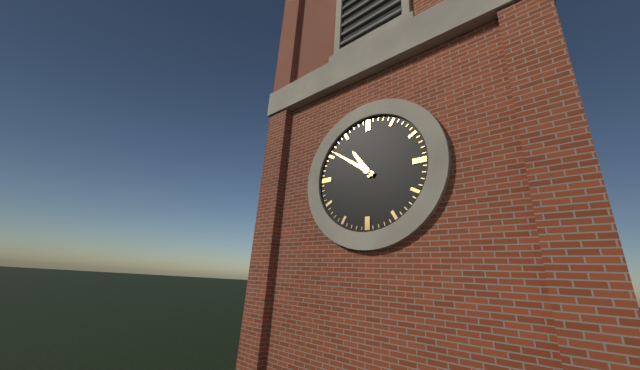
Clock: 10:51
